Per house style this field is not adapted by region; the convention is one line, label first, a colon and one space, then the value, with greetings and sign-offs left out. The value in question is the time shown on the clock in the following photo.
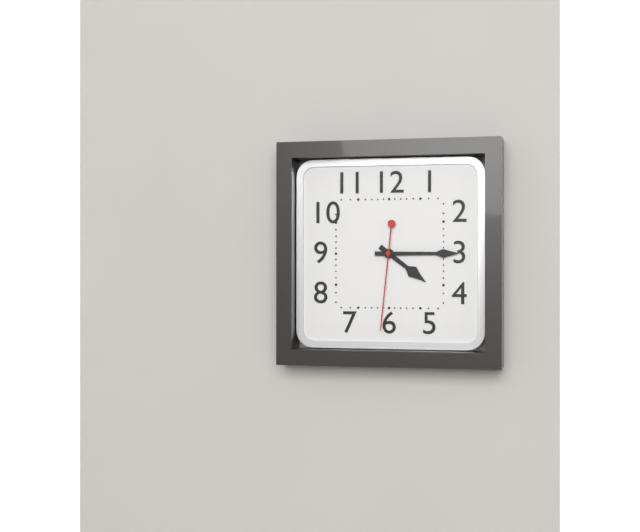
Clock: 4:15:31
